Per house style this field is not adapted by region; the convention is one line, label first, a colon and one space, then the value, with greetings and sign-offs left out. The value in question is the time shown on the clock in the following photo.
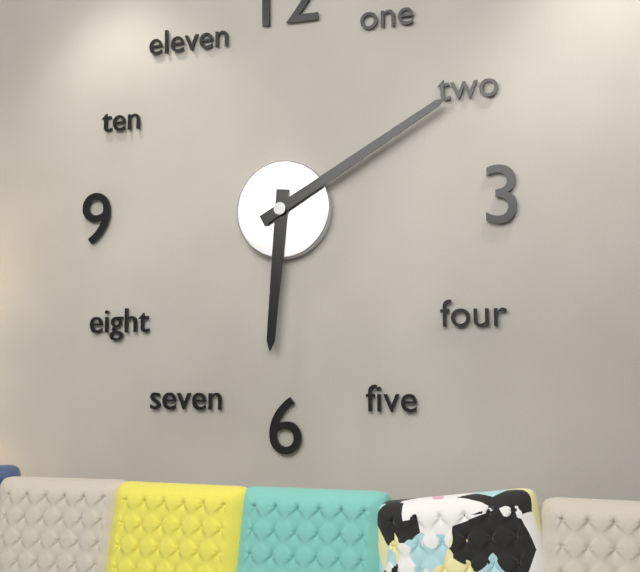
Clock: 6:10
